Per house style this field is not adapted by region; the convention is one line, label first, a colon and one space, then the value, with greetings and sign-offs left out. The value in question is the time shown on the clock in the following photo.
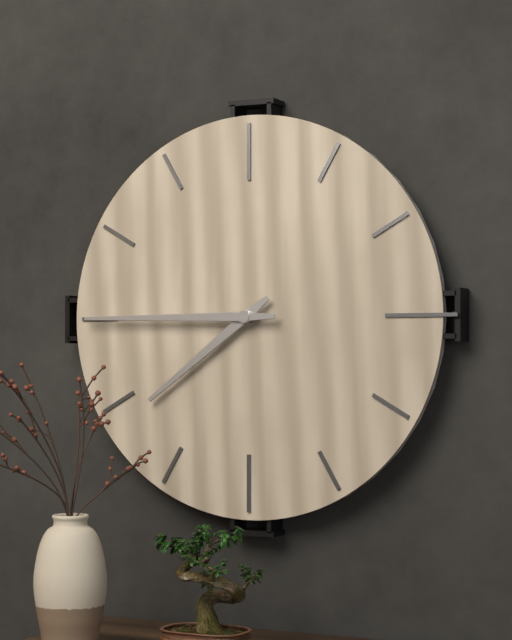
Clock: 7:45
